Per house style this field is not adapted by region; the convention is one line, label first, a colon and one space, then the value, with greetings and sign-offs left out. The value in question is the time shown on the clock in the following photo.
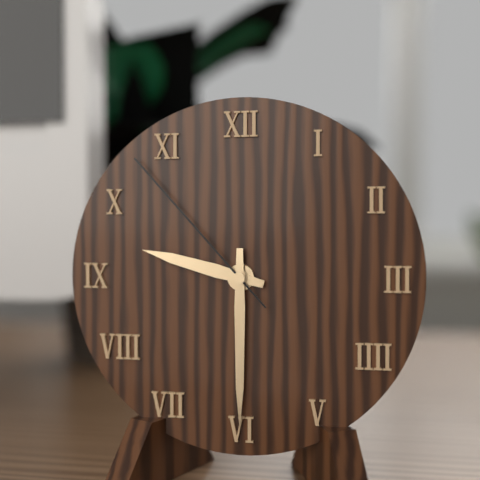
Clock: 9:30:53
